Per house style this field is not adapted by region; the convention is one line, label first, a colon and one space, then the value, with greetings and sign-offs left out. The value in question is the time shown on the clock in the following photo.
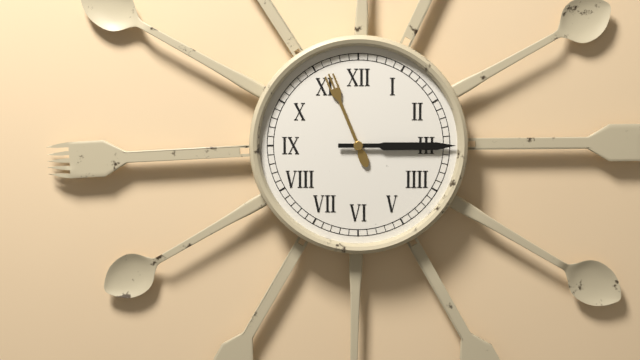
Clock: 11:15
